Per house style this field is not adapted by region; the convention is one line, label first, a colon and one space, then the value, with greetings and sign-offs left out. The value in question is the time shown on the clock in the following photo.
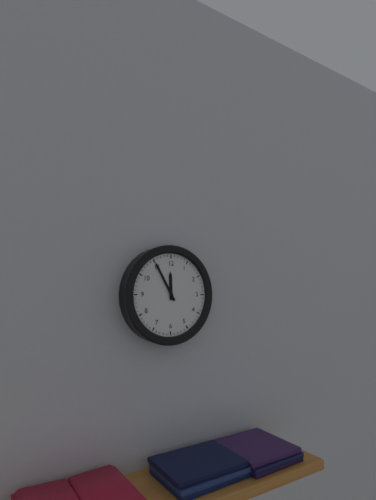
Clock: 11:55
